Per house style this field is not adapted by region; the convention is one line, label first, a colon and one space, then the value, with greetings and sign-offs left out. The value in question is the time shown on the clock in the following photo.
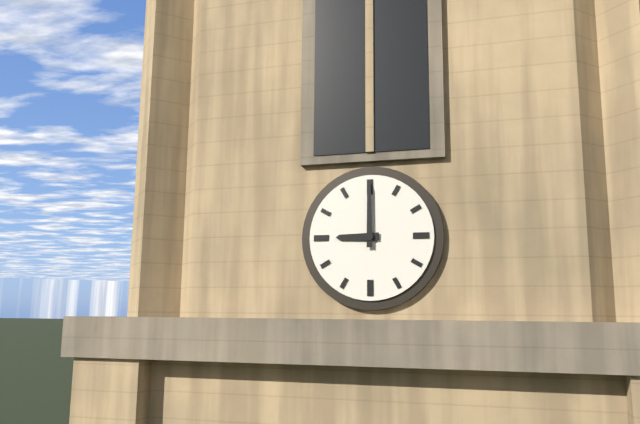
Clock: 9:00
